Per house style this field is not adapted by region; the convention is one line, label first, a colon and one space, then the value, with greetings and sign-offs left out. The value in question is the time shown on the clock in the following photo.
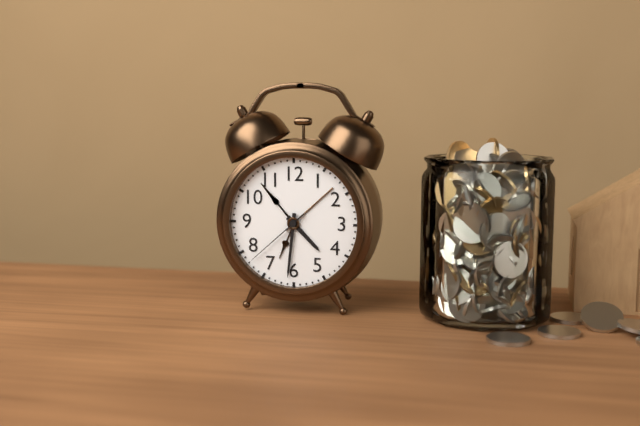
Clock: 4:31:38
